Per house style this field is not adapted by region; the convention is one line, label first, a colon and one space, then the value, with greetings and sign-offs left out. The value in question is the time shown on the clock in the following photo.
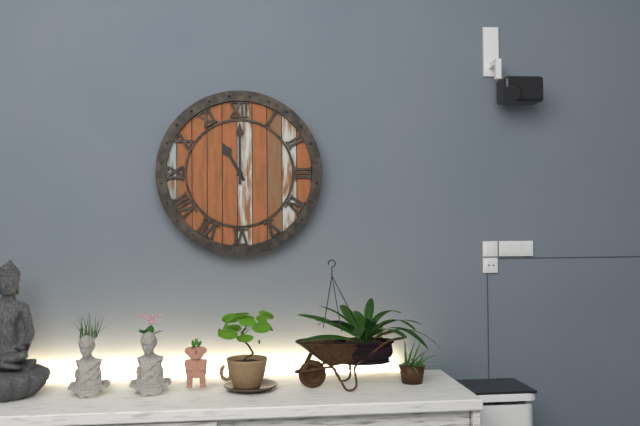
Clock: 11:00
